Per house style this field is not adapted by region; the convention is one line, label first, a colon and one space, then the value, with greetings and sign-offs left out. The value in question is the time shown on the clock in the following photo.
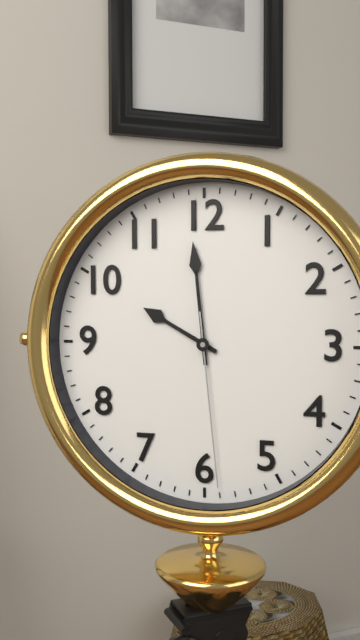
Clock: 9:59:29
